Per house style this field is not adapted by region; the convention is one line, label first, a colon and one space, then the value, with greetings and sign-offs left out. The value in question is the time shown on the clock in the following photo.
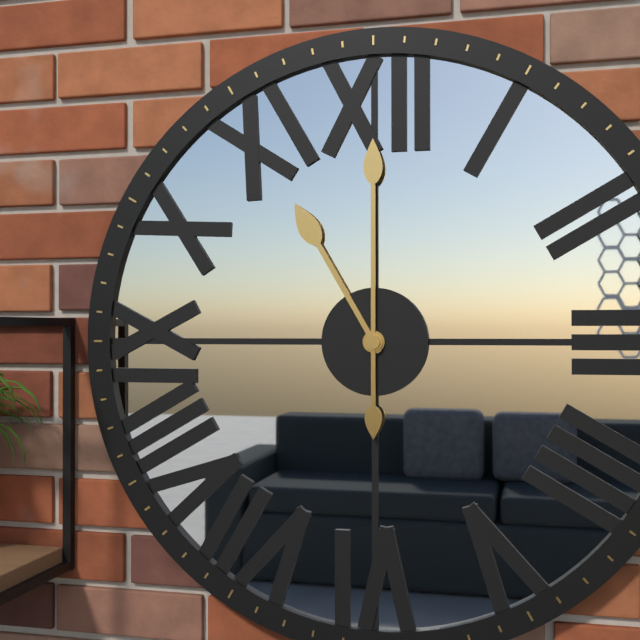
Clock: 11:00
